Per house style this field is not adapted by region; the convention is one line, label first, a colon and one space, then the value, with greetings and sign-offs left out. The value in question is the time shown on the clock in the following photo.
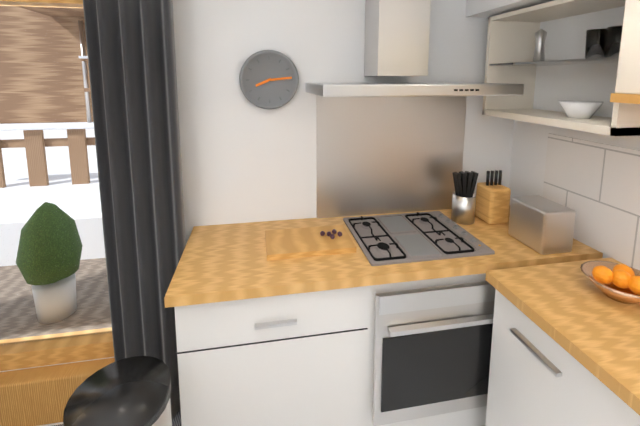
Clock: 8:14
